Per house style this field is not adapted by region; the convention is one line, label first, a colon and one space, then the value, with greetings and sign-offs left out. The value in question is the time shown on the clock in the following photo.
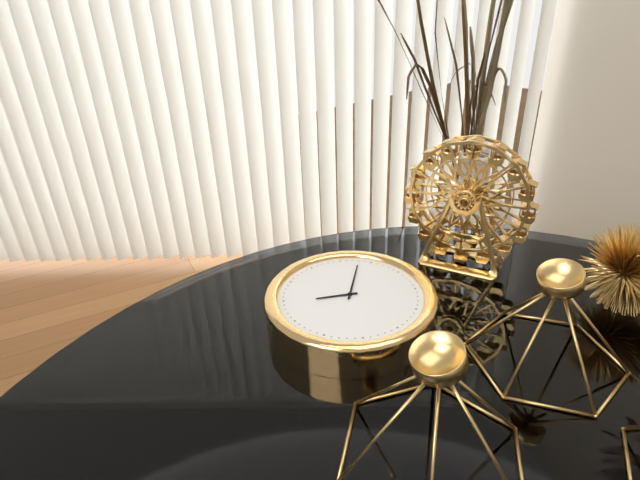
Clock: 6:53
